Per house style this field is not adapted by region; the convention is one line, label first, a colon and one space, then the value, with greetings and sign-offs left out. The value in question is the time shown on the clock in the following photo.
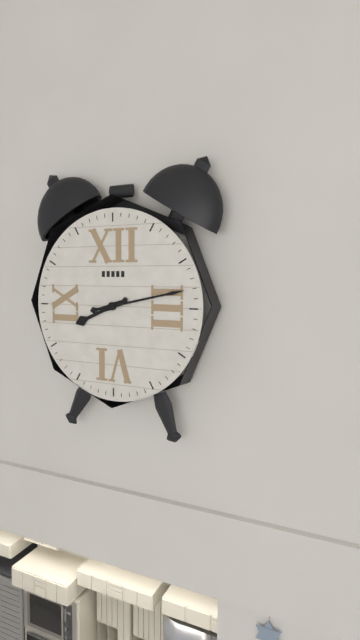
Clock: 8:13
